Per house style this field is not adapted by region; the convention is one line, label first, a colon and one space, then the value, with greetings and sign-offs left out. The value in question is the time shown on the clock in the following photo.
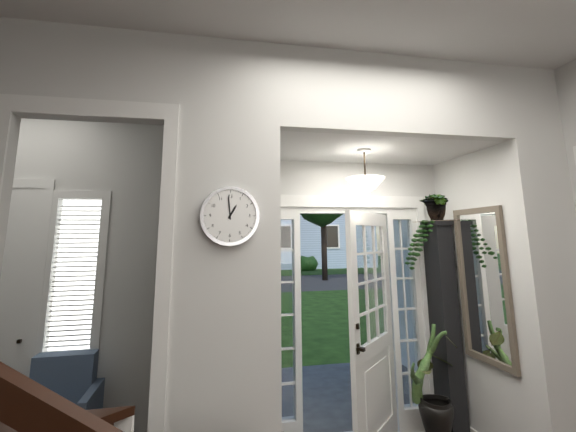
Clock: 12:59
